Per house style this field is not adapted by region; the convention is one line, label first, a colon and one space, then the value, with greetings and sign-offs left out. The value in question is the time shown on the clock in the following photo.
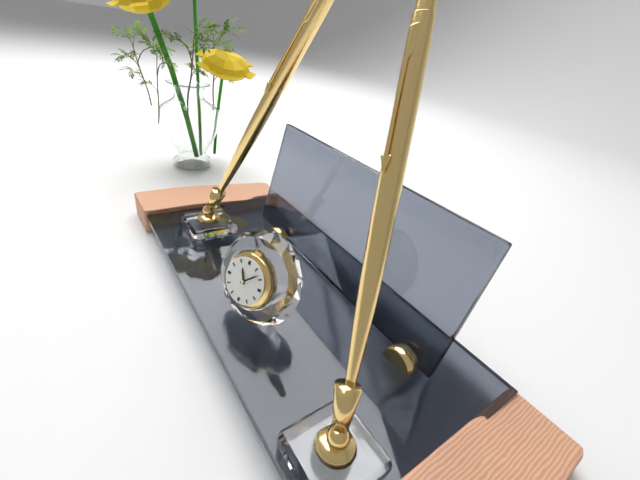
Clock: 11:08
